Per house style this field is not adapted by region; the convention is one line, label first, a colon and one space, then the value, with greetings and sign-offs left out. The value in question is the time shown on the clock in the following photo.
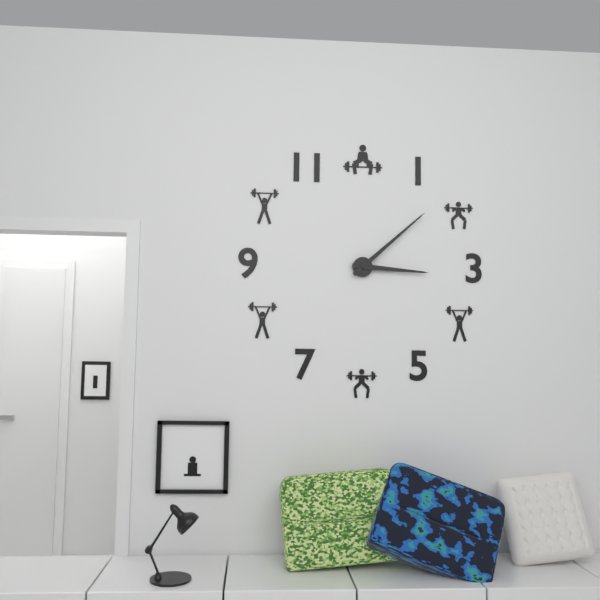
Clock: 3:08
